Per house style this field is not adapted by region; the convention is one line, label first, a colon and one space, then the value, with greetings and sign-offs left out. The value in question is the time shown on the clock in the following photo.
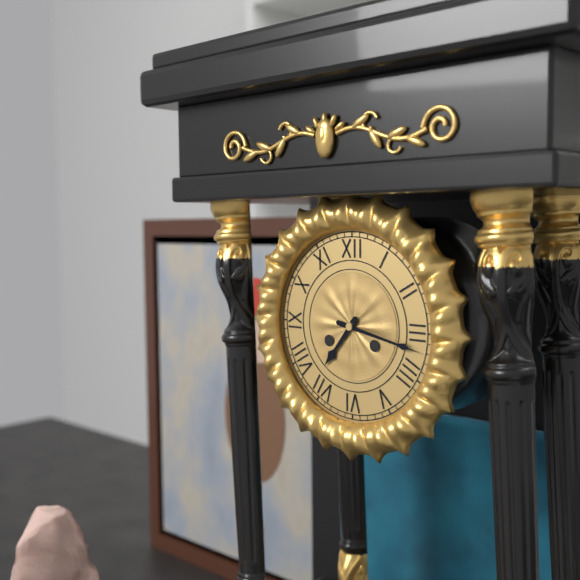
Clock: 7:17
